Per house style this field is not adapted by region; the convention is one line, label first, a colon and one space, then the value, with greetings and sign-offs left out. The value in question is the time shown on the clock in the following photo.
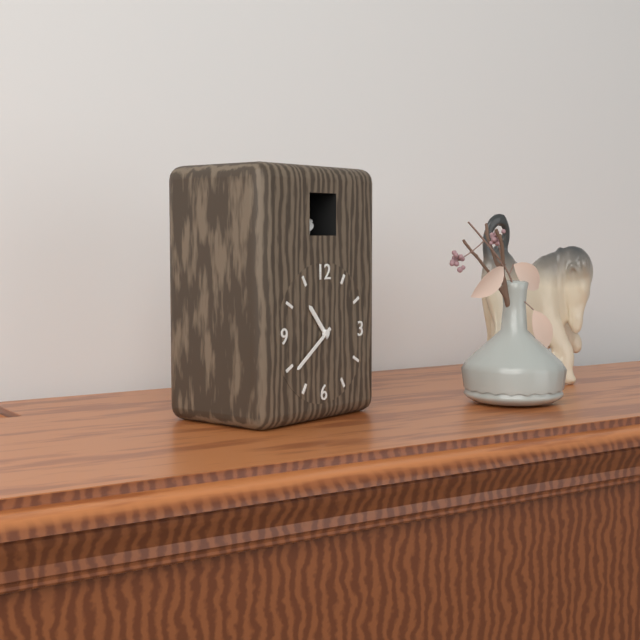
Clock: 10:39
